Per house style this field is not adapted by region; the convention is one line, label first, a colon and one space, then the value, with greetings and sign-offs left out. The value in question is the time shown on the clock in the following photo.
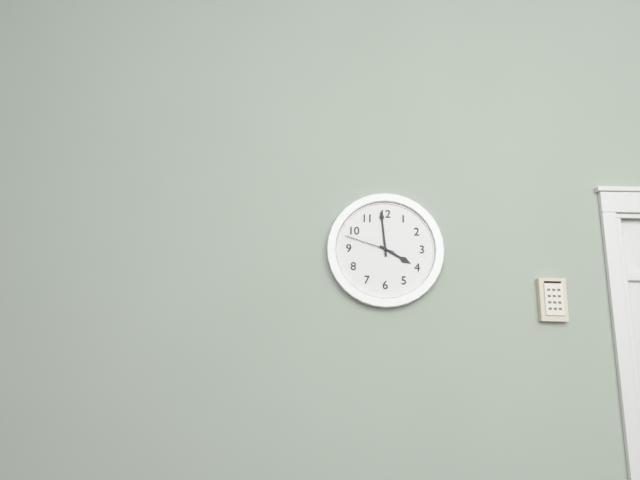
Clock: 3:59:48
